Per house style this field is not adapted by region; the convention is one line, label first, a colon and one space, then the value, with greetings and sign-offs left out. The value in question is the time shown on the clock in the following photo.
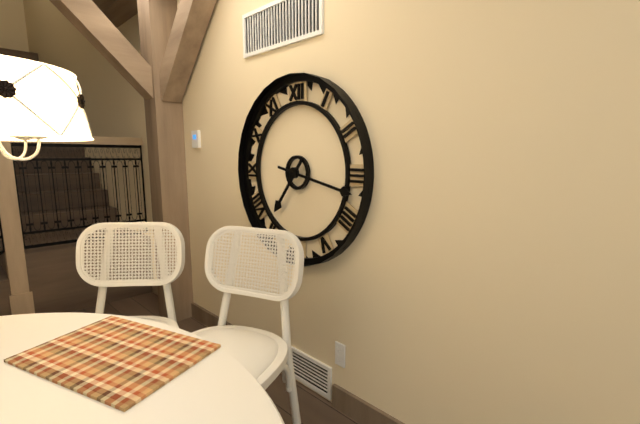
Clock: 7:17
